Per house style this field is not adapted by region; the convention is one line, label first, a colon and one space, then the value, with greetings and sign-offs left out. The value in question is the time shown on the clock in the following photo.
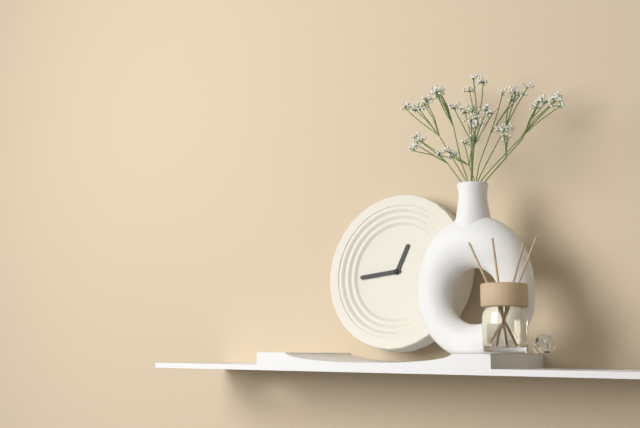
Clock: 12:44
